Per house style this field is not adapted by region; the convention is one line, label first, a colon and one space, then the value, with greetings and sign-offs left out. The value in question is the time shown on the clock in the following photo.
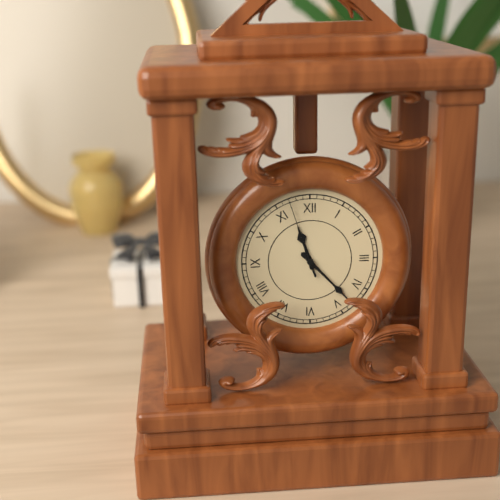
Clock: 11:23:57
